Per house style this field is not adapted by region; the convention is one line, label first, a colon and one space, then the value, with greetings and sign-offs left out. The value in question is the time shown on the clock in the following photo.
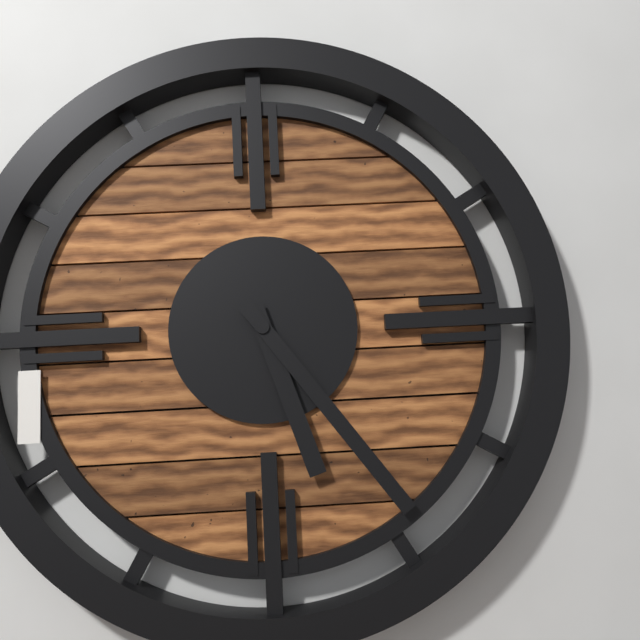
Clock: 5:24
